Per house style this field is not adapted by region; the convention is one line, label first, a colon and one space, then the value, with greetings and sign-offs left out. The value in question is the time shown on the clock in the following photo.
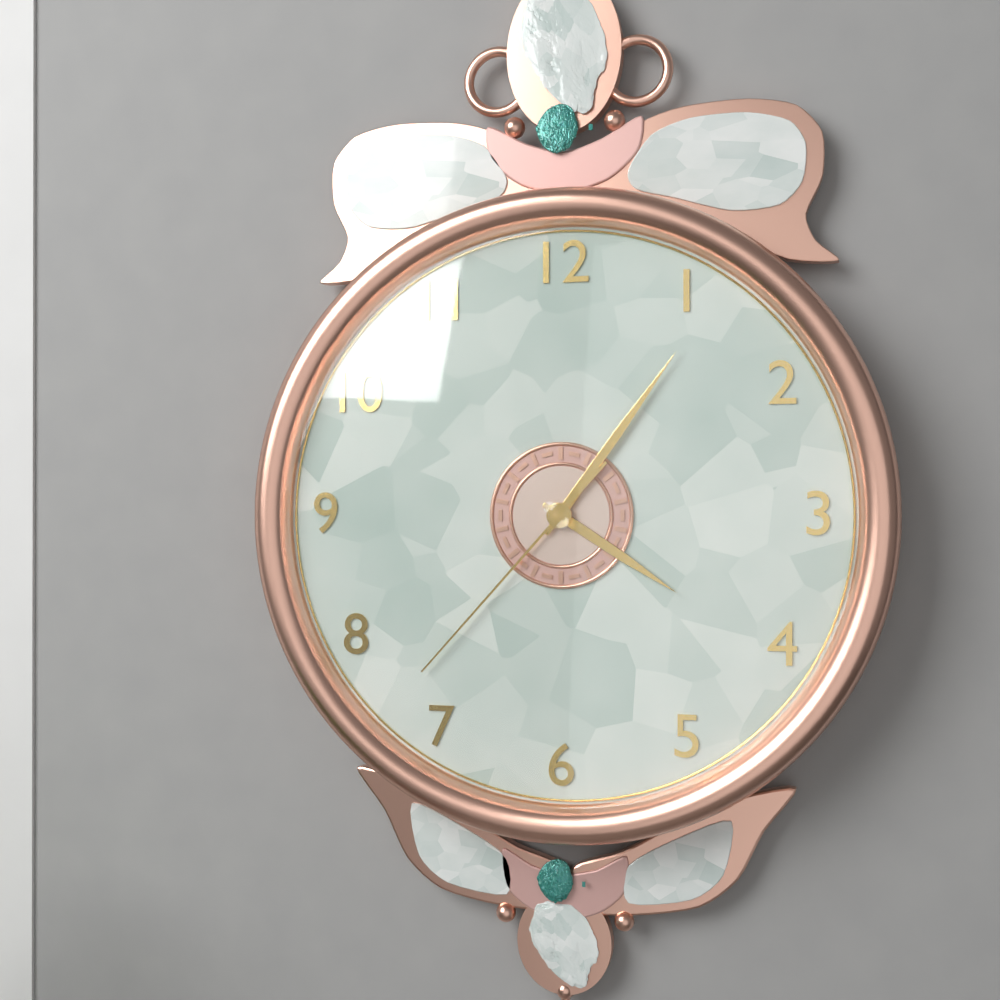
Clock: 4:06:37
